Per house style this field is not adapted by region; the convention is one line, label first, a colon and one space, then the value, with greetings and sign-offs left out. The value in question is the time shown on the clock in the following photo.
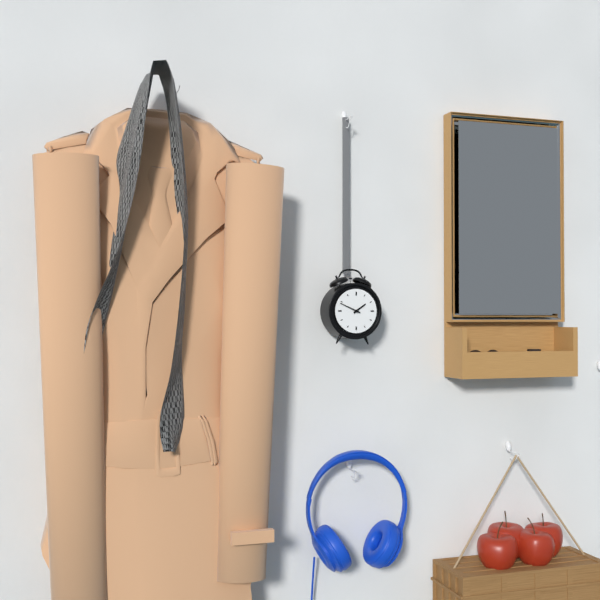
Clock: 1:49
